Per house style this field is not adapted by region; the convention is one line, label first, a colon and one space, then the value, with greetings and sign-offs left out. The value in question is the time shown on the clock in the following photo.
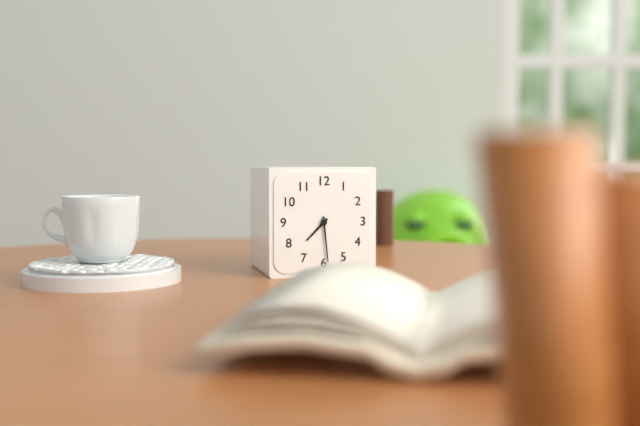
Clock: 7:29
